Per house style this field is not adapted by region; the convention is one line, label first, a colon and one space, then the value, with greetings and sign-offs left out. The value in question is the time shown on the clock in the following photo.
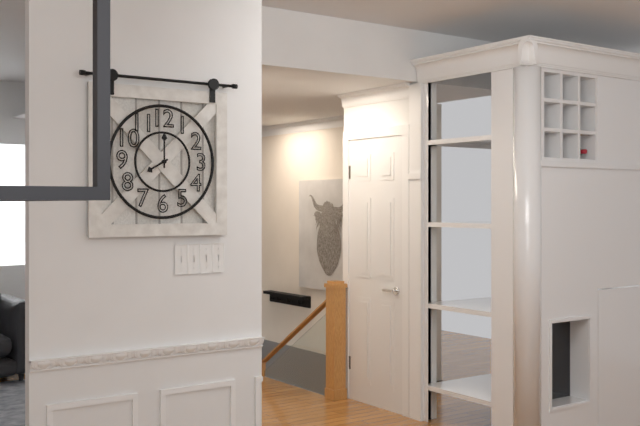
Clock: 8:00
